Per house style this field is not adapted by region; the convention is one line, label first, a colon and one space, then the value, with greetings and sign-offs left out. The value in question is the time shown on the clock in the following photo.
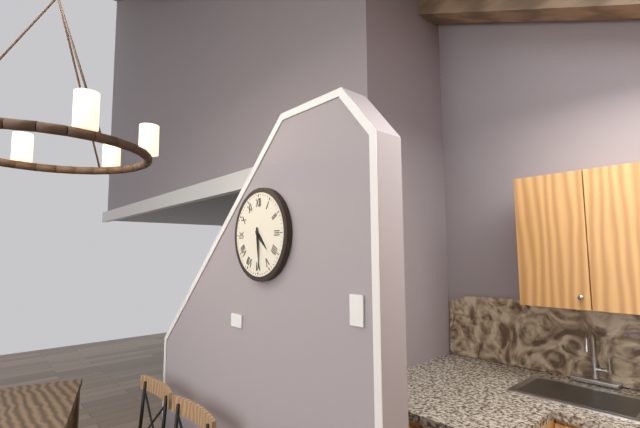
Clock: 4:29
